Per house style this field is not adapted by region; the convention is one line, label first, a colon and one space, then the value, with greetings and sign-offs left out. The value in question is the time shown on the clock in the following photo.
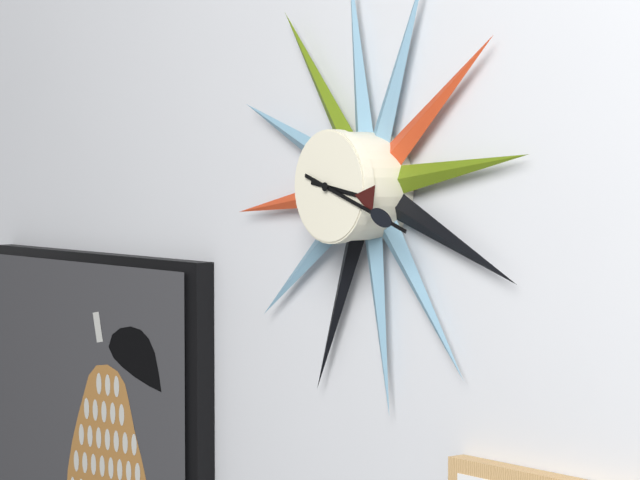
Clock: 3:18
